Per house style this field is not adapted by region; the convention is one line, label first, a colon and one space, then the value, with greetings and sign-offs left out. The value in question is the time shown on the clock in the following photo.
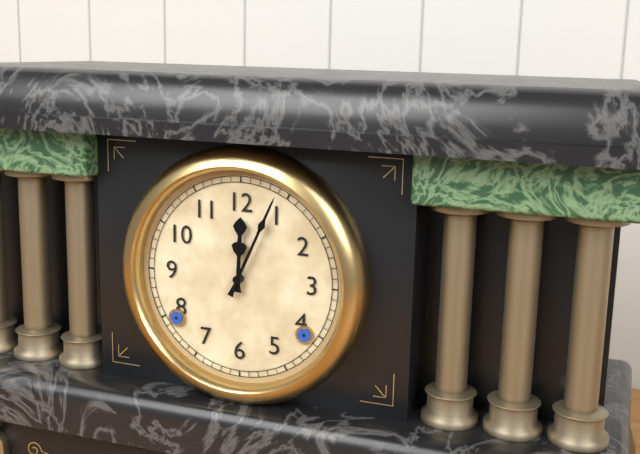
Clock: 12:04
